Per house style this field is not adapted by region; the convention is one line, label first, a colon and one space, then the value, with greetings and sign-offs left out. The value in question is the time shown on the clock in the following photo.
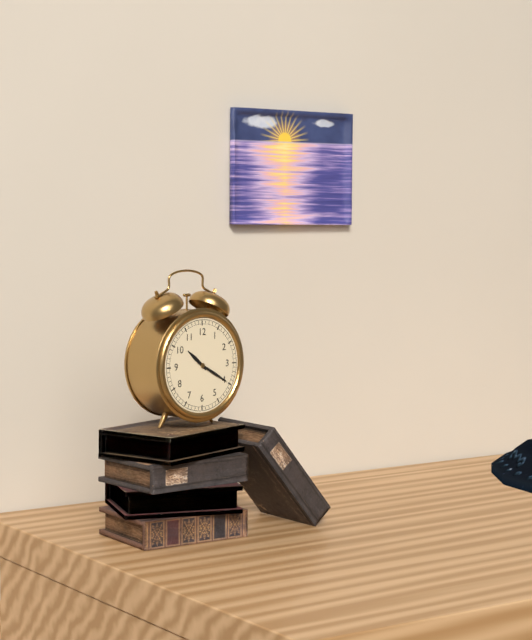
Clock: 10:20
